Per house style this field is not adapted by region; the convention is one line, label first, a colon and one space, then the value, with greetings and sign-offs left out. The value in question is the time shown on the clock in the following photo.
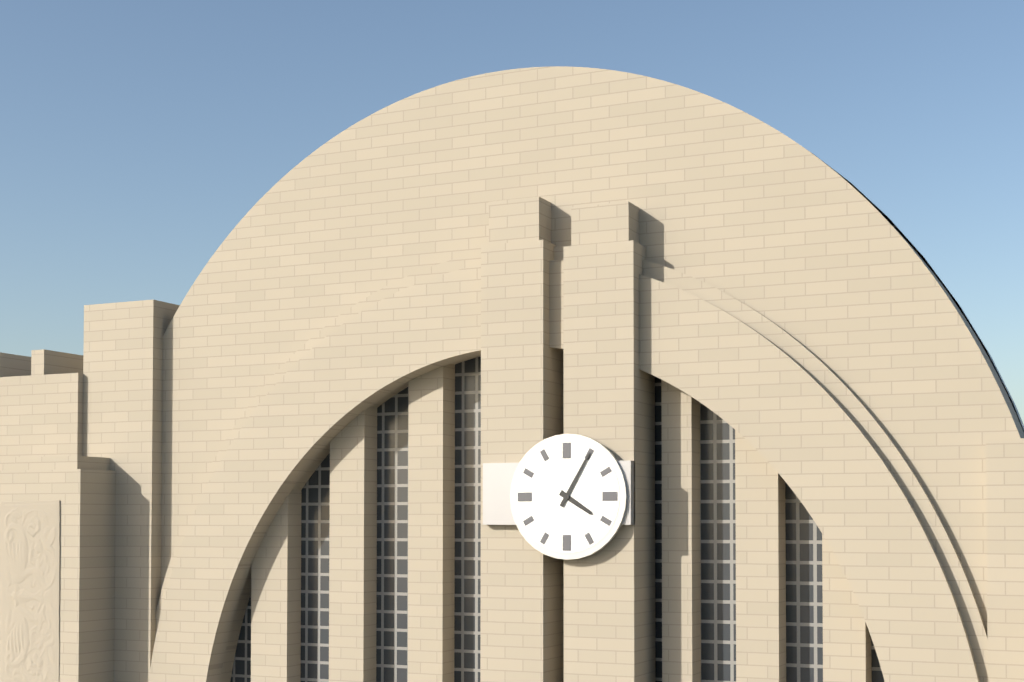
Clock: 4:05
